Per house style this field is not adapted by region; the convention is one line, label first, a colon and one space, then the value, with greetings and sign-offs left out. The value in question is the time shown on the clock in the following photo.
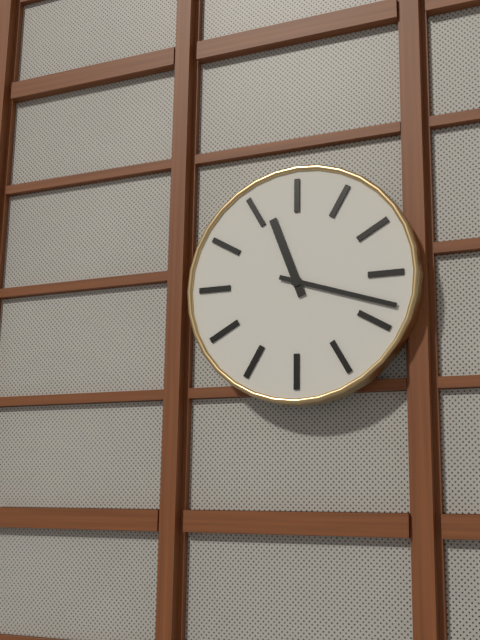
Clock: 11:18
